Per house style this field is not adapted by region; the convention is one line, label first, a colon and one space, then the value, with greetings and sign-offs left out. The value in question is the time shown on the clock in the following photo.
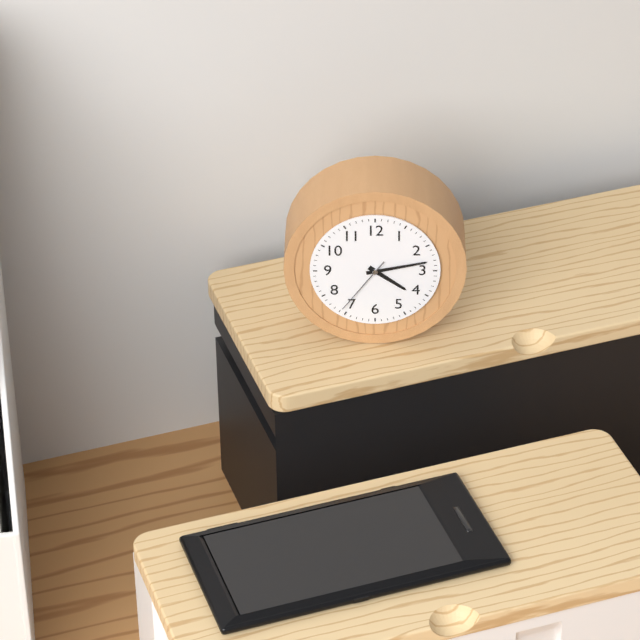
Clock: 4:13:36
